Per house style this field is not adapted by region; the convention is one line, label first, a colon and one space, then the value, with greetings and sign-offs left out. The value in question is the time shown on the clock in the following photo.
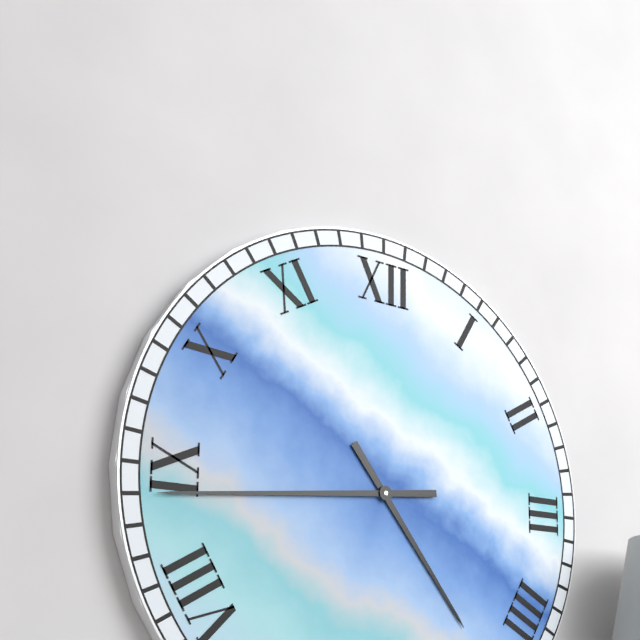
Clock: 4:44
